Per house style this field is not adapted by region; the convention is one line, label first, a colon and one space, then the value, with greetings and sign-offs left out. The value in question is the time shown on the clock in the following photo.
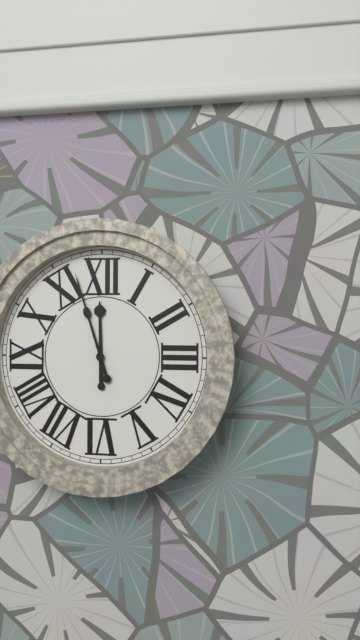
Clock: 11:57
